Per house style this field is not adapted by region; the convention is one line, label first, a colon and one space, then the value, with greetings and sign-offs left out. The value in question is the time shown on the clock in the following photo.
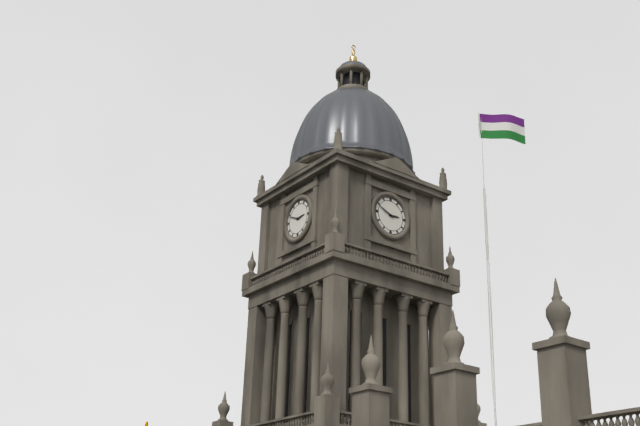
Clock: 2:49
